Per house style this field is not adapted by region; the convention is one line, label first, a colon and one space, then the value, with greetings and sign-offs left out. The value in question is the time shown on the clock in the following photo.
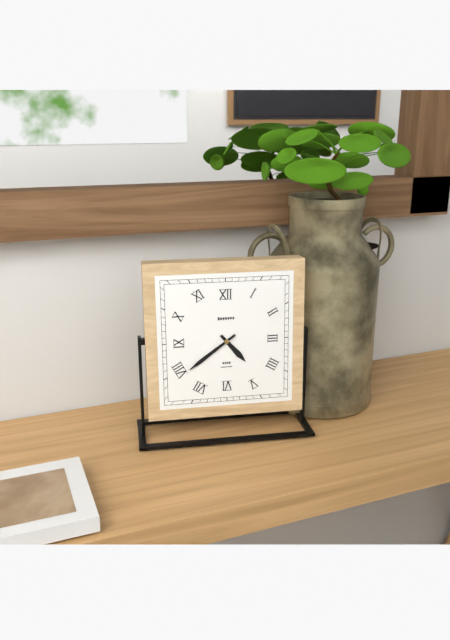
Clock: 4:39
